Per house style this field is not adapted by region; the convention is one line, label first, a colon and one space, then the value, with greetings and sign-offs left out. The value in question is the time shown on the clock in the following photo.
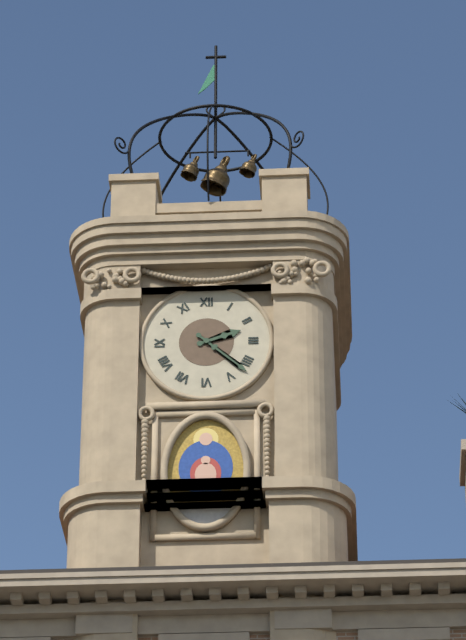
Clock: 2:22
